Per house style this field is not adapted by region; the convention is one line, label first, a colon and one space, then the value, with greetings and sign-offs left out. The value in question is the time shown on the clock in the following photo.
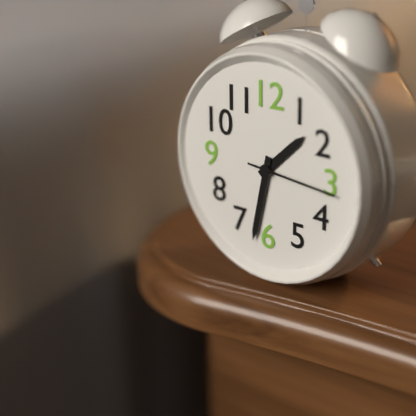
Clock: 1:32:16
